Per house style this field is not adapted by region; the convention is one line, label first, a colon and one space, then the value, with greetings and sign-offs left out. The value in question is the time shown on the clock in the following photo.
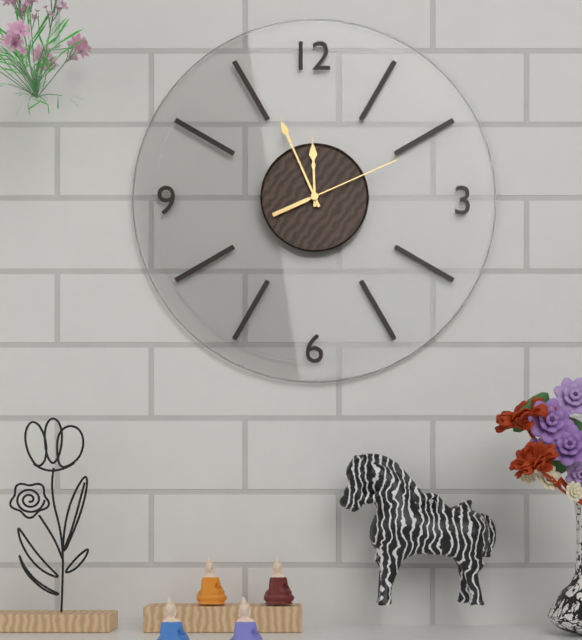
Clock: 11:56:11
